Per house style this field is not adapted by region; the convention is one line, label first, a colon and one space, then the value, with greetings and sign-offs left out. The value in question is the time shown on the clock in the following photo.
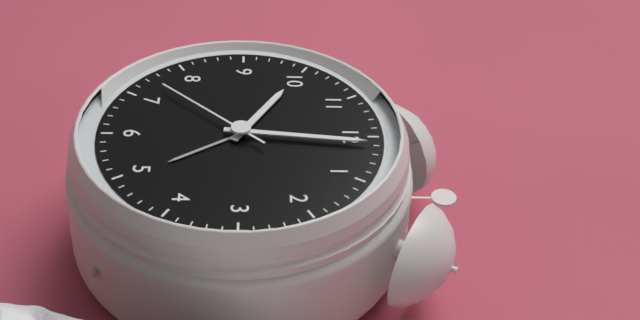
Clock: 10:01:37
